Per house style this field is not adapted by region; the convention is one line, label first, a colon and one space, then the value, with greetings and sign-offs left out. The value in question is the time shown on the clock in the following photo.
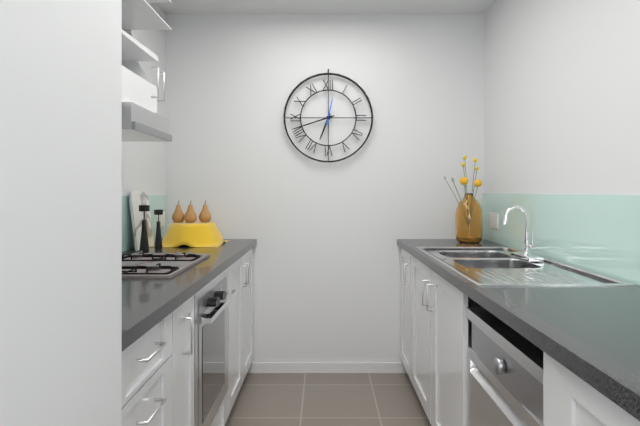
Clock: 6:42
